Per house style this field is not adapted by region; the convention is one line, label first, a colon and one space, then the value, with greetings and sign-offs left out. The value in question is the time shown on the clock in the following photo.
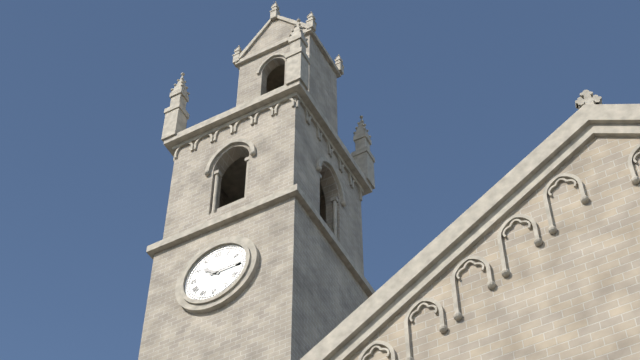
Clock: 10:15
